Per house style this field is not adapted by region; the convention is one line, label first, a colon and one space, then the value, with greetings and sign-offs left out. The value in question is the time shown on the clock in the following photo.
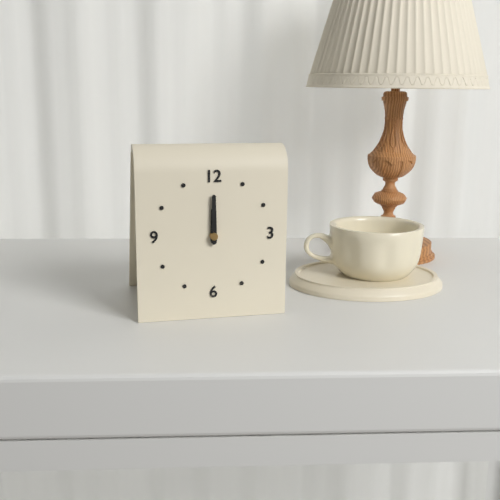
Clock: 12:00
